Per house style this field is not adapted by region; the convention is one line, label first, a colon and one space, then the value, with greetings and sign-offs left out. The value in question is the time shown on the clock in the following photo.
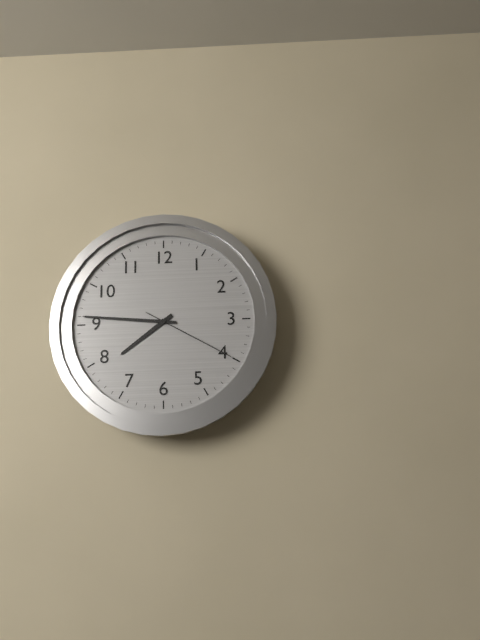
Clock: 7:46:20
